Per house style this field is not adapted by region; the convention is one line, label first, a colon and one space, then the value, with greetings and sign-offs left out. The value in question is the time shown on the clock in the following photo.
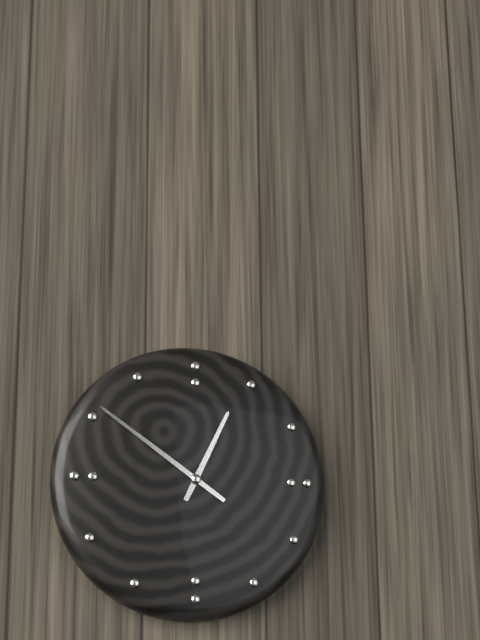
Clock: 12:51
